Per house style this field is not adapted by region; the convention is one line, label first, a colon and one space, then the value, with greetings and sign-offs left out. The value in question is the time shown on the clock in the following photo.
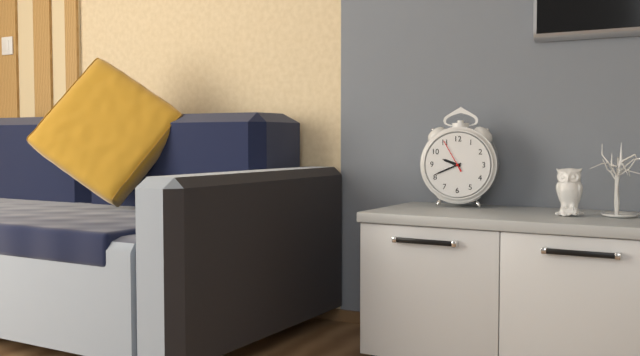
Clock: 9:41
